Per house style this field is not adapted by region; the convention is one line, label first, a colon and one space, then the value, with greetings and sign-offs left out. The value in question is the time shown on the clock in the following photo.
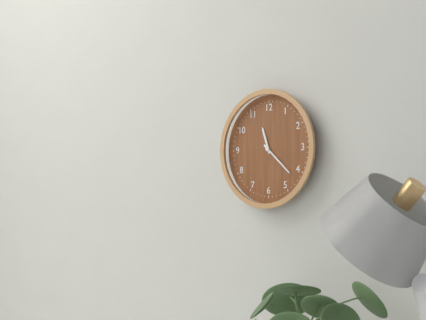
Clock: 11:22
